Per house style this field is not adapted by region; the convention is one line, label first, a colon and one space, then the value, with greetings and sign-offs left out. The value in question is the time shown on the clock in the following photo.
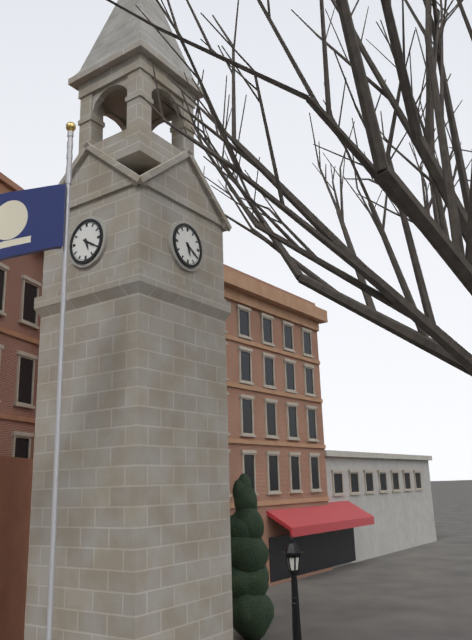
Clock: 5:20
